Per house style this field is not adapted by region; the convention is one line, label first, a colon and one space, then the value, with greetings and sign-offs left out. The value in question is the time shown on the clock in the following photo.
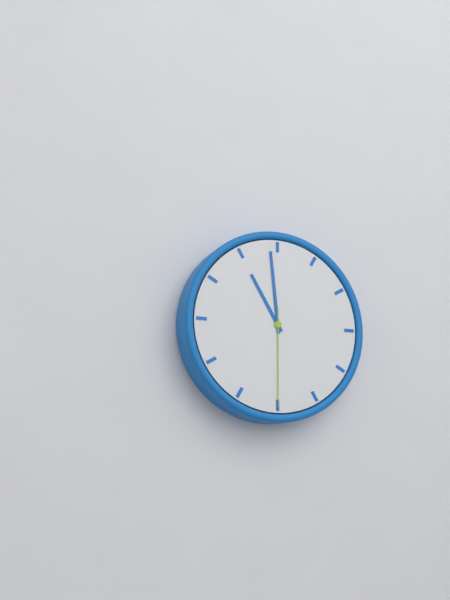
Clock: 10:59:30
